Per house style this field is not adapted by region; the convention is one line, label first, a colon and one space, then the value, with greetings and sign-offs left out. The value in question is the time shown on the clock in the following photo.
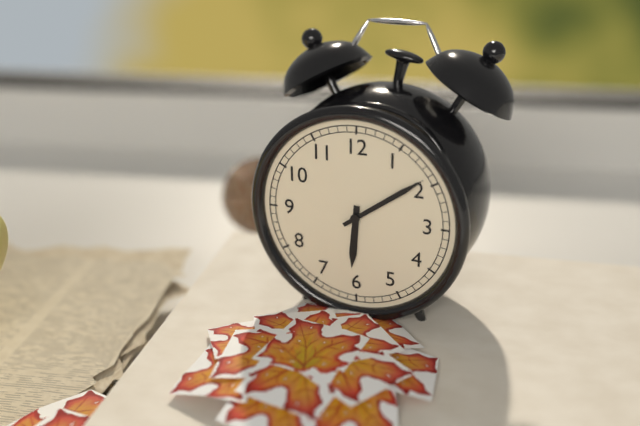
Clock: 6:09
